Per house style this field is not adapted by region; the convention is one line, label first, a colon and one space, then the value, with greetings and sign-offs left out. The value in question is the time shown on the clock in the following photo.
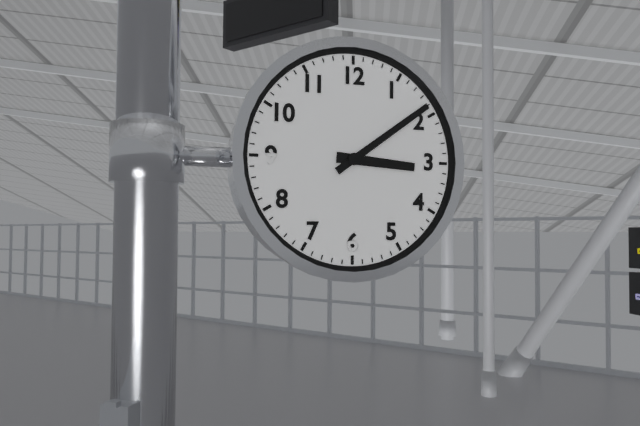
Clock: 3:09
